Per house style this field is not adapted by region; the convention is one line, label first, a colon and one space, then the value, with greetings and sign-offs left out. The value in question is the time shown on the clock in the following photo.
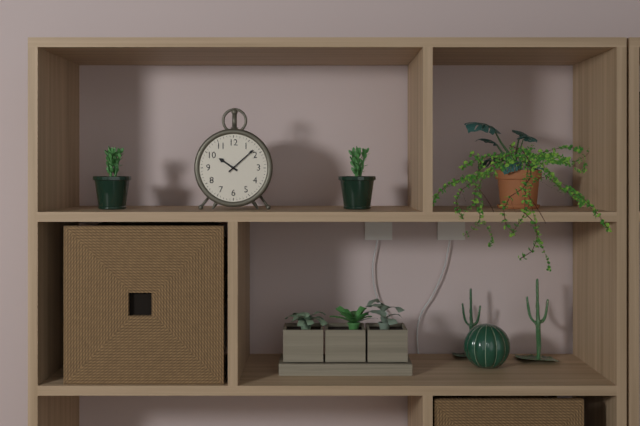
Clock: 10:08
